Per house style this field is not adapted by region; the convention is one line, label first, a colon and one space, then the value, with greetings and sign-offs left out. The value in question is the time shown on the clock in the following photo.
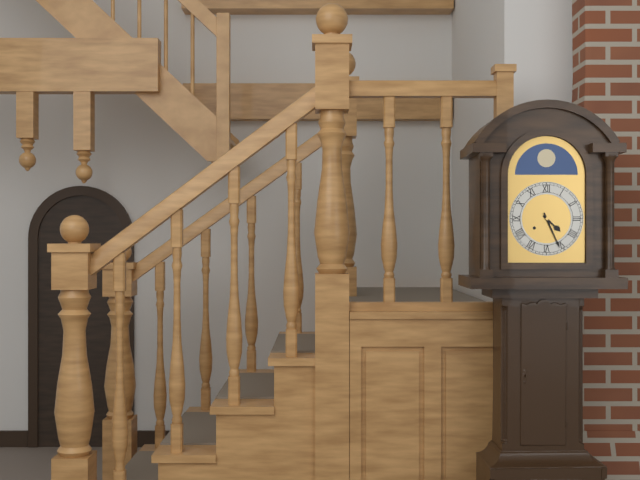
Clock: 4:26
